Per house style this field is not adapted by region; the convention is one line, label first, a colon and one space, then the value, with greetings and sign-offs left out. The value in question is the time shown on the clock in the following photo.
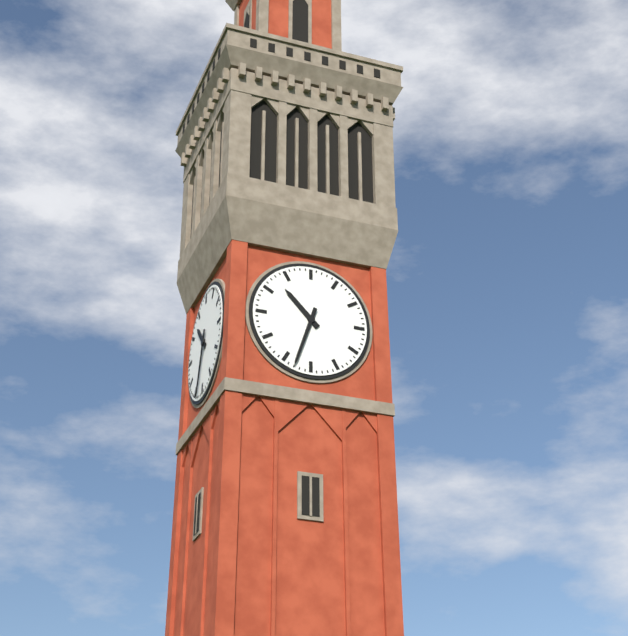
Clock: 10:33
